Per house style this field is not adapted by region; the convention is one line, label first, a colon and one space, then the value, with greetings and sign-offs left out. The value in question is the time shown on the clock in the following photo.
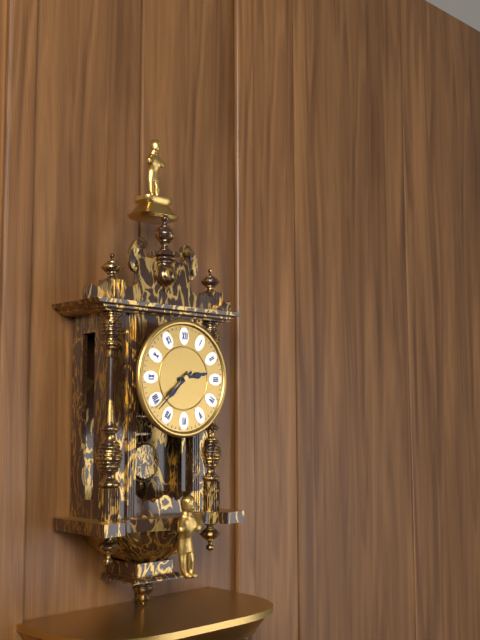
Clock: 2:38
